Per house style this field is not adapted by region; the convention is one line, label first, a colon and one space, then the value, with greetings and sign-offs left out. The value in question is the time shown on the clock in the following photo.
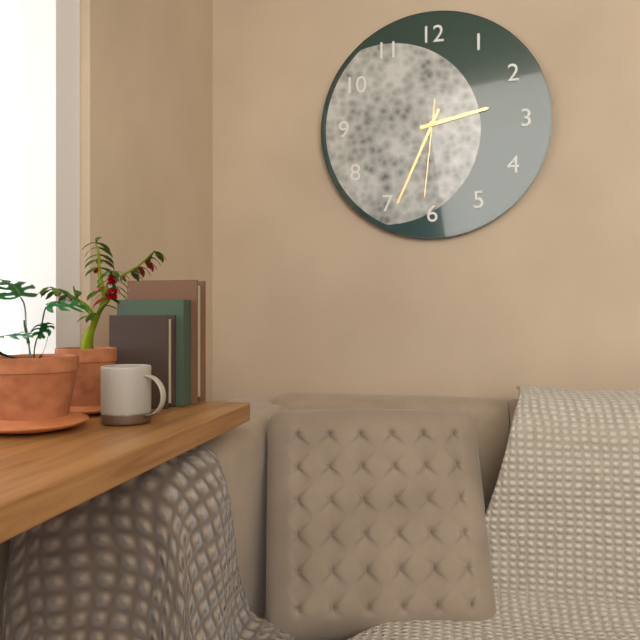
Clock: 2:34:31
